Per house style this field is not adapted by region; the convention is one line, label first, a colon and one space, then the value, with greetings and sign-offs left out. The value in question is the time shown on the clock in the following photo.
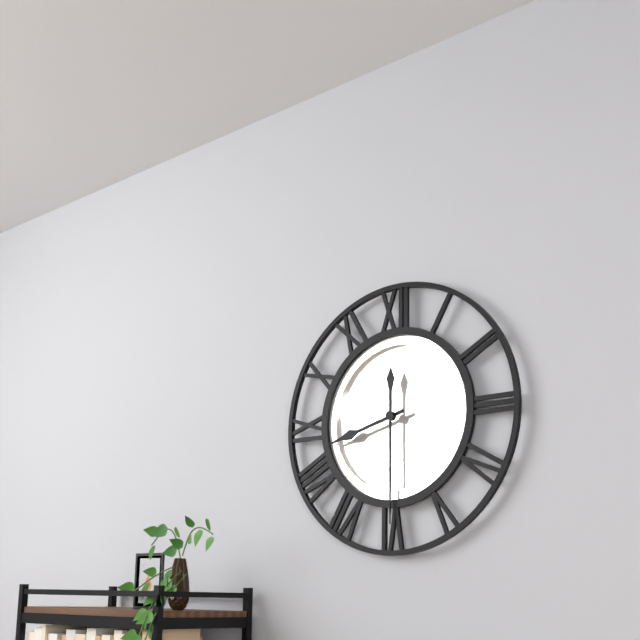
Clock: 8:30
